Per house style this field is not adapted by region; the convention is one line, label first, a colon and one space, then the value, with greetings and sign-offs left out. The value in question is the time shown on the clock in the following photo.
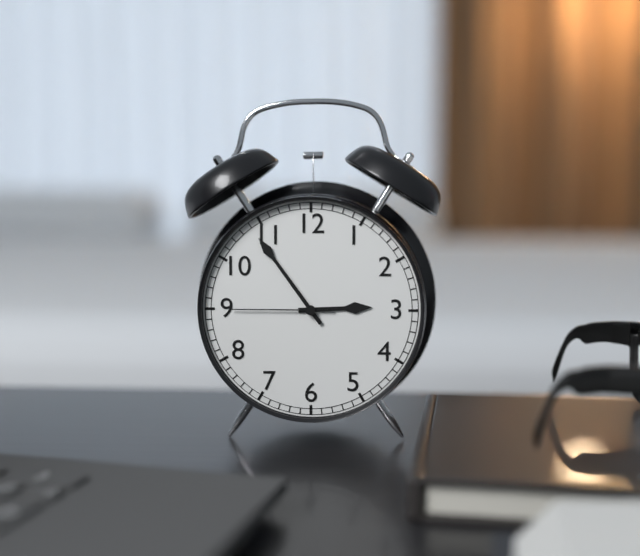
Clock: 2:54:45
